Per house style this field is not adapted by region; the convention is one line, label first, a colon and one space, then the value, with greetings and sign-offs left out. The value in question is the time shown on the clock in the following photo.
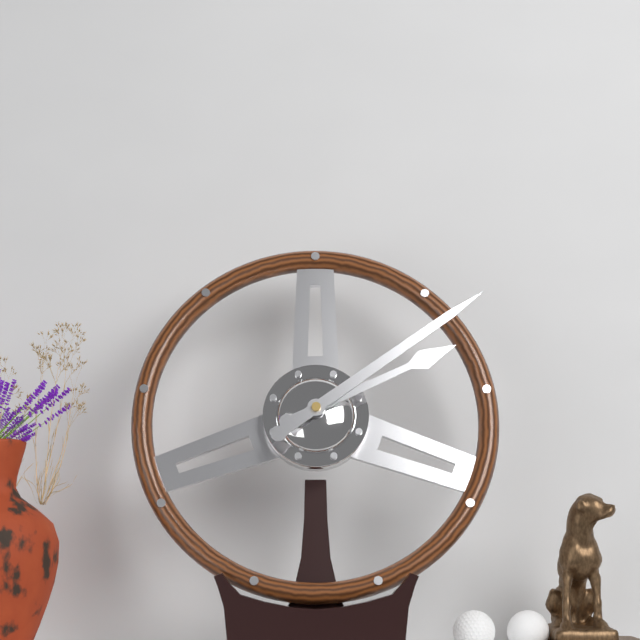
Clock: 2:09
